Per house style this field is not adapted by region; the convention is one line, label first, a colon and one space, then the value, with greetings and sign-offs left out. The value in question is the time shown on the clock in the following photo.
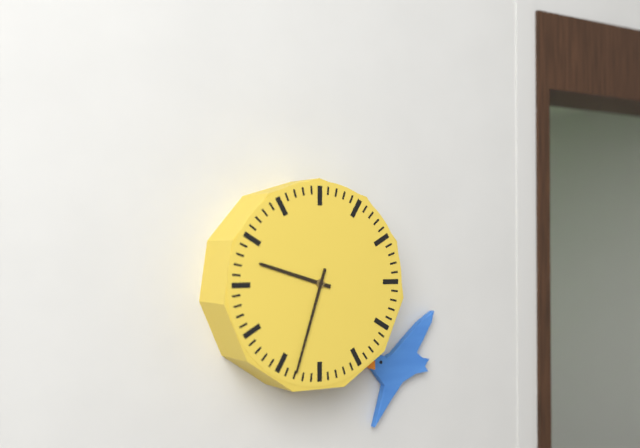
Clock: 9:33
